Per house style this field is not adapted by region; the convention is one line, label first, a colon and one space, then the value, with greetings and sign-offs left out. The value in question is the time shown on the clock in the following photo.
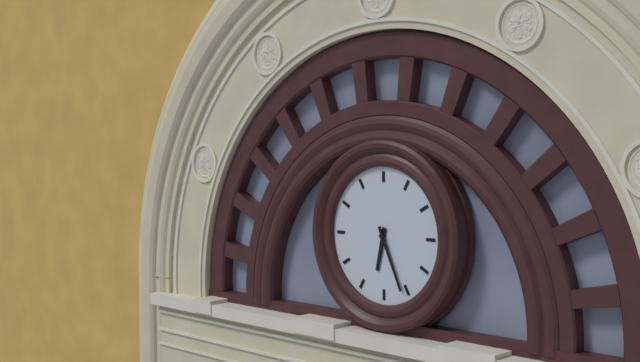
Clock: 6:26
